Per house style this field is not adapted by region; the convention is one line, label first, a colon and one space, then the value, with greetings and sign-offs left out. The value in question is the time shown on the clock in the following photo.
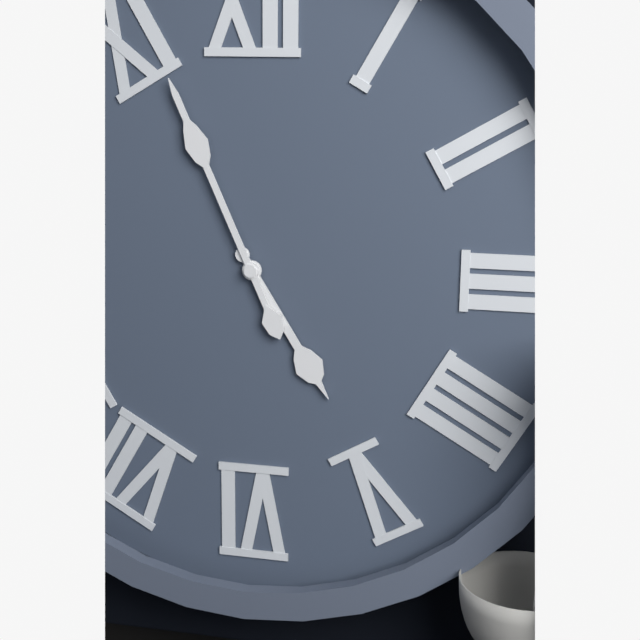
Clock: 4:56
